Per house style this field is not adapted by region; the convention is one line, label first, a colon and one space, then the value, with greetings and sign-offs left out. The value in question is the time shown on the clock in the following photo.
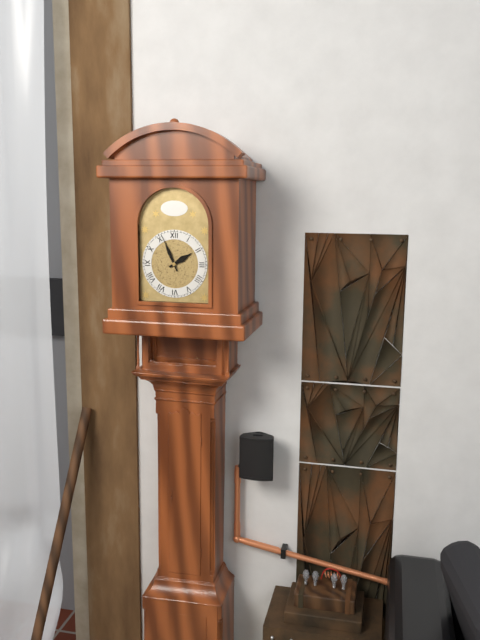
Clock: 1:56
